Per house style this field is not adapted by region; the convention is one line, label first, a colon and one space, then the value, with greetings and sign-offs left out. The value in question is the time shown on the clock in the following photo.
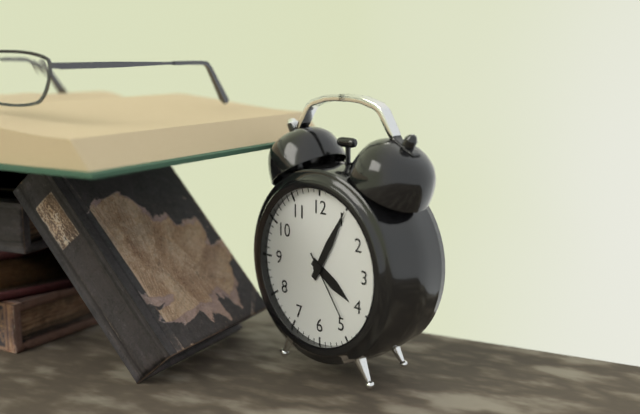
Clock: 4:05:24
